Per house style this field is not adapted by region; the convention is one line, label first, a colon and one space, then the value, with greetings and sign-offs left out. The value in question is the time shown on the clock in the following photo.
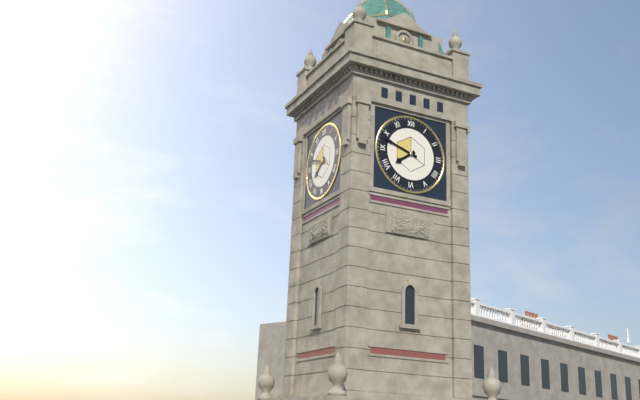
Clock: 7:48
